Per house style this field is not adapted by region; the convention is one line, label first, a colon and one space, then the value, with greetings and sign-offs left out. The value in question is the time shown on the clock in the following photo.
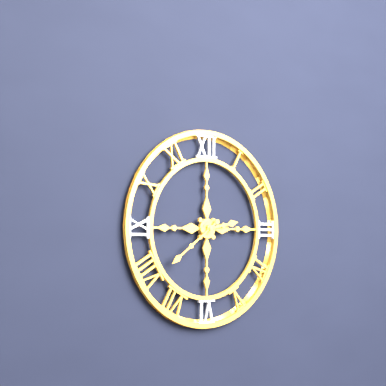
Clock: 2:39
